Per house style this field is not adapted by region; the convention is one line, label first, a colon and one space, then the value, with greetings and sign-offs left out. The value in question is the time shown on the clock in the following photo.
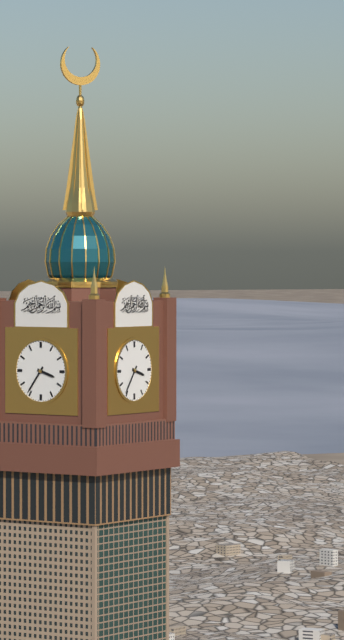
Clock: 3:36
